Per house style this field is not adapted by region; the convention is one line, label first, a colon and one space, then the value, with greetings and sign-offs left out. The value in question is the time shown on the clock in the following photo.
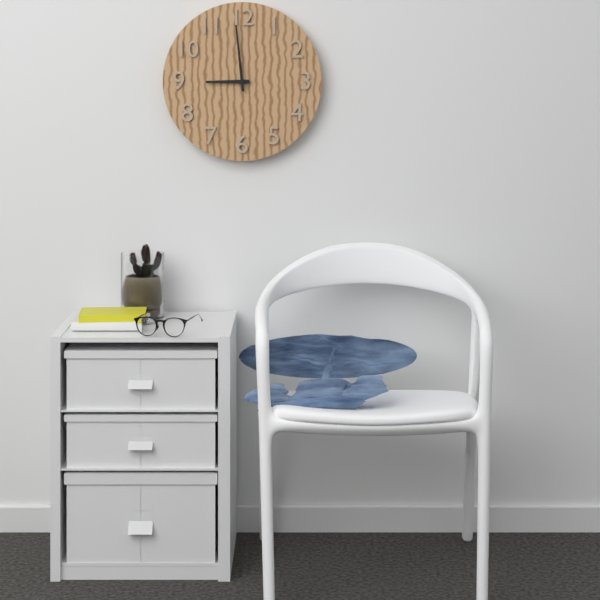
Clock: 8:59
